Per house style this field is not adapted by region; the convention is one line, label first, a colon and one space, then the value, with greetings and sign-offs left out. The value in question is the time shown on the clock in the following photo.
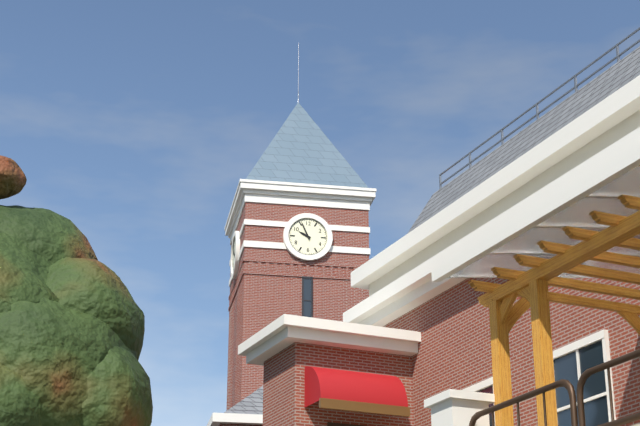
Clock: 9:56
